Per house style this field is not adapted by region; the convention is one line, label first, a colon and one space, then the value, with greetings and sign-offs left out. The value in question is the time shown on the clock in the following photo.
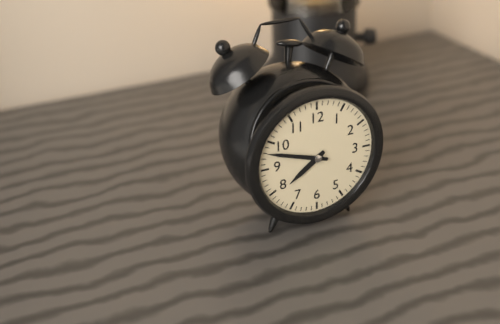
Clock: 7:48
